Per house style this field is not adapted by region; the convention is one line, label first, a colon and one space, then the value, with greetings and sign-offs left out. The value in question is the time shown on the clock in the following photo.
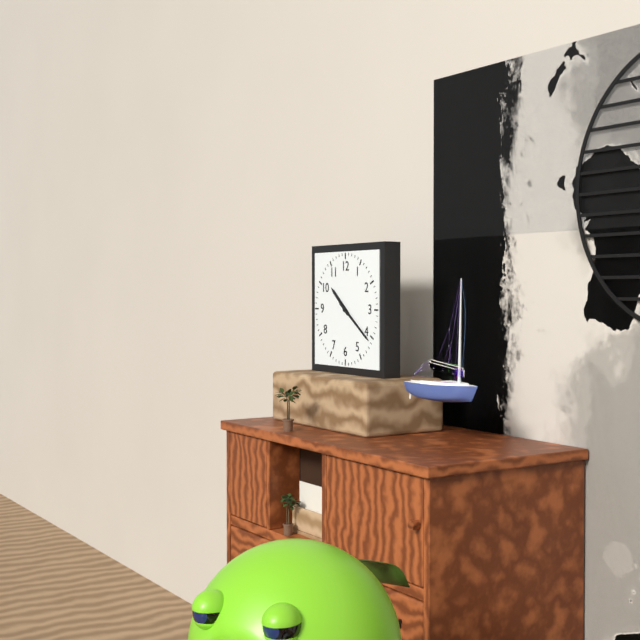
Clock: 10:21
